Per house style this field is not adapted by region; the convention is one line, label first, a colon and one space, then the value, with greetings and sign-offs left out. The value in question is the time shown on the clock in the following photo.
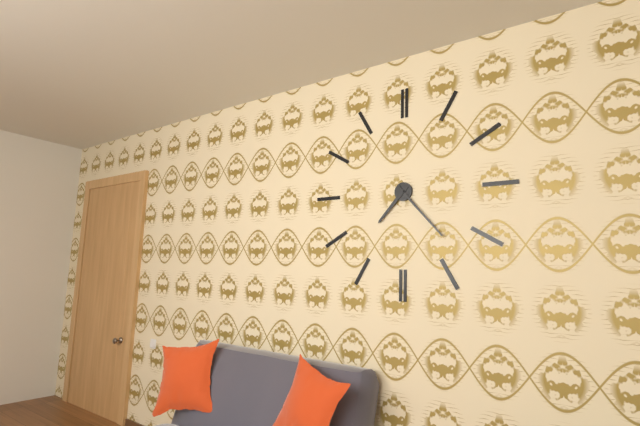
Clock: 7:23
